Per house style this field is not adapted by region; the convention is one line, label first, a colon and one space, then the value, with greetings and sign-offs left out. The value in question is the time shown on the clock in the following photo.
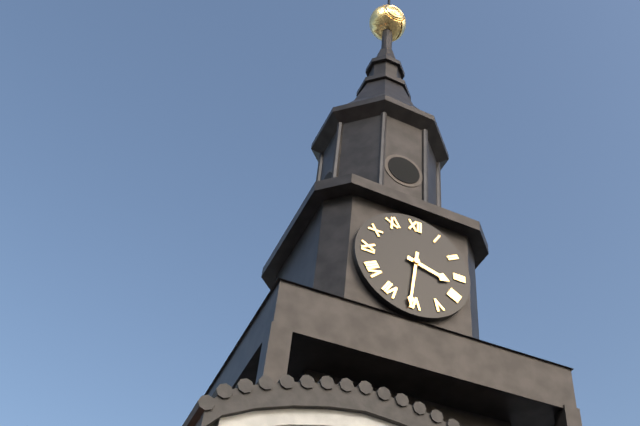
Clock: 3:31
